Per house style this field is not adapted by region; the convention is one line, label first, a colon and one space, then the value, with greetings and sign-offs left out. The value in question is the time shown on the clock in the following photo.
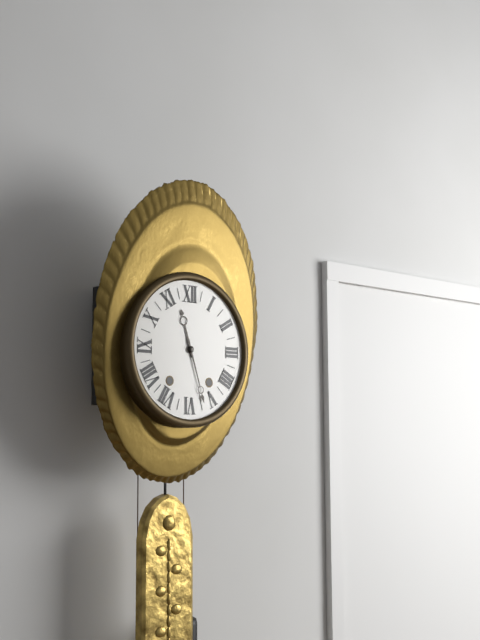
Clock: 11:27
